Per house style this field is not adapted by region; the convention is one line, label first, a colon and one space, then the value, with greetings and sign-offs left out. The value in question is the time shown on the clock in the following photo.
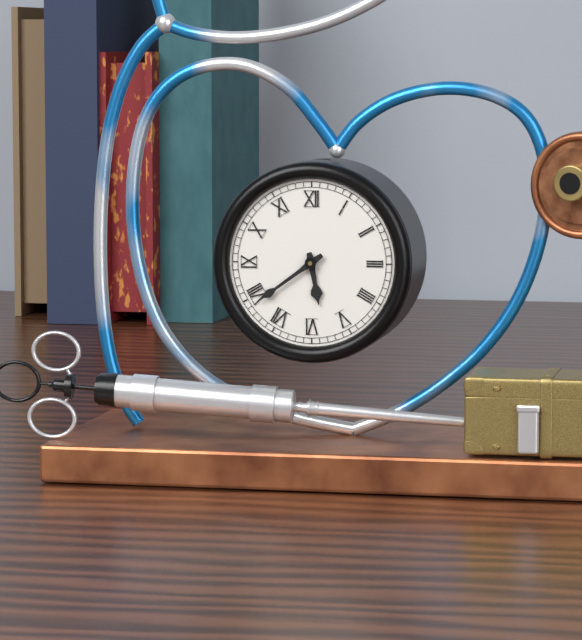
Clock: 5:39
